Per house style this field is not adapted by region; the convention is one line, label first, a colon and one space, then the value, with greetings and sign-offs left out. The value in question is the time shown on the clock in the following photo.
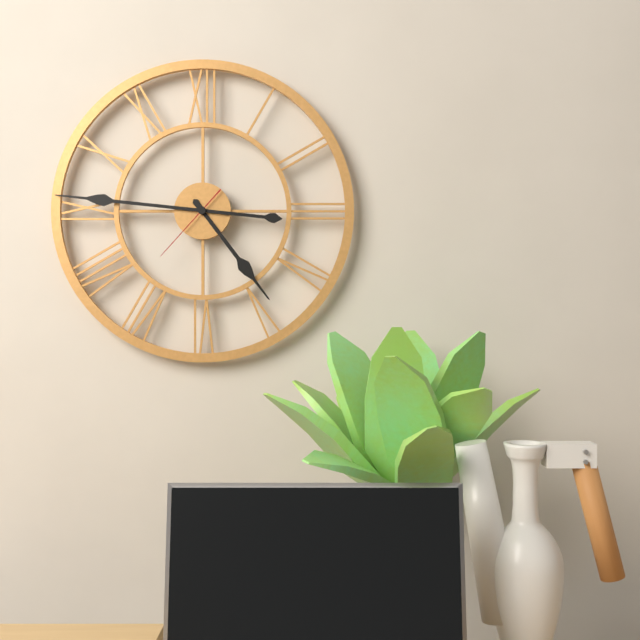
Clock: 4:46:37
